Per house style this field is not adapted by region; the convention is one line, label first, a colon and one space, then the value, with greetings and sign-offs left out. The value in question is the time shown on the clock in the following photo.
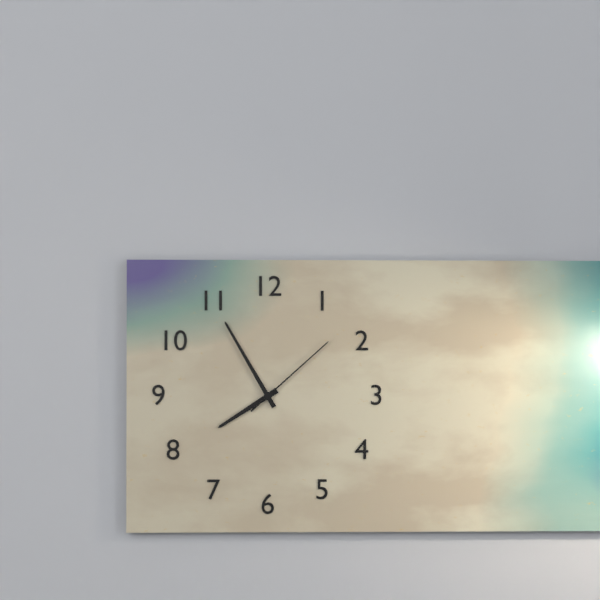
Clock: 7:55:08
